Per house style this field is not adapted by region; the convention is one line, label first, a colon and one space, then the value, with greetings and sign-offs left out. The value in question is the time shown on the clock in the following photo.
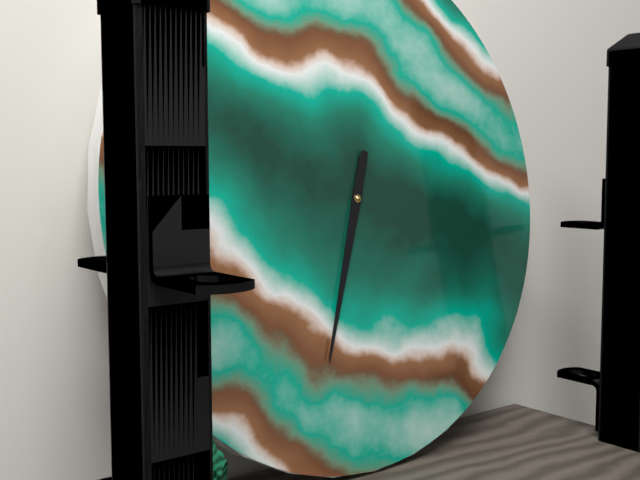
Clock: 6:33
